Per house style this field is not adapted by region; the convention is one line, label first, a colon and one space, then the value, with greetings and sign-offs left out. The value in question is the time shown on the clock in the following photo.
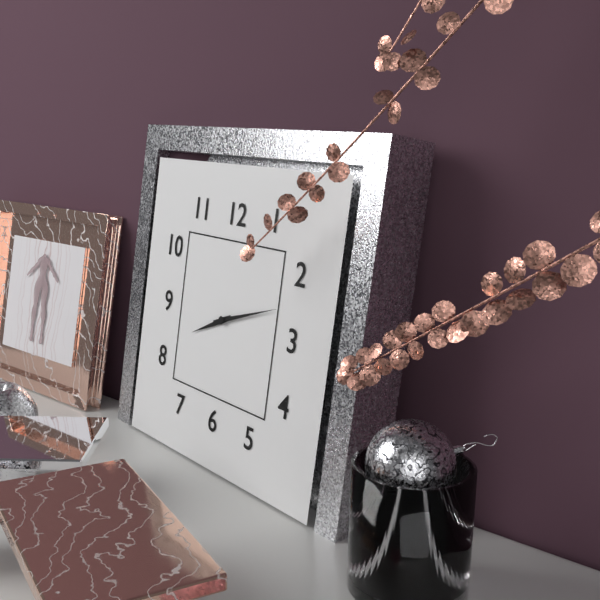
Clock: 8:12
